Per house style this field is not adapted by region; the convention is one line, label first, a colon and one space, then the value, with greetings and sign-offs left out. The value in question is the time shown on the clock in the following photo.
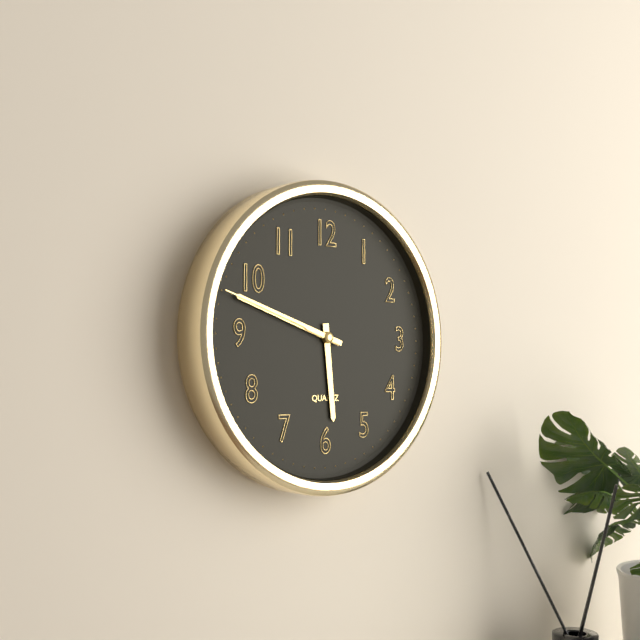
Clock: 5:48:48
